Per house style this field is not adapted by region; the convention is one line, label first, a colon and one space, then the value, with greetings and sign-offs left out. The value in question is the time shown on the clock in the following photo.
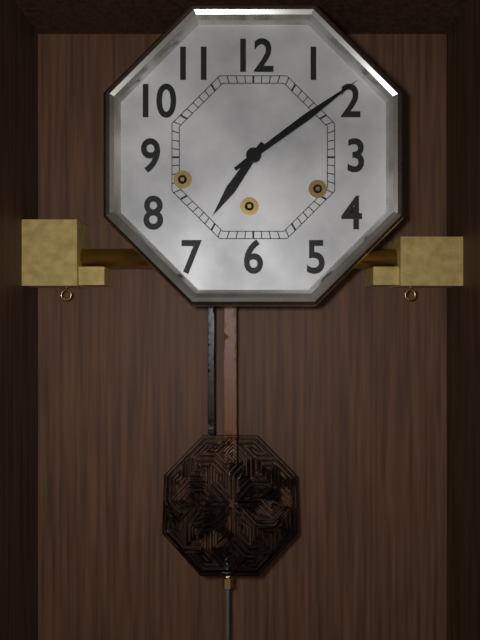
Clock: 7:09
